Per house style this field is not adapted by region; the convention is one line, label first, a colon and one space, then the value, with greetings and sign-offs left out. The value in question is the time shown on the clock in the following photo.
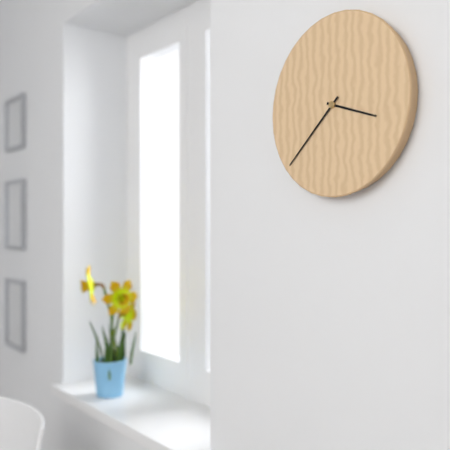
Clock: 3:38
